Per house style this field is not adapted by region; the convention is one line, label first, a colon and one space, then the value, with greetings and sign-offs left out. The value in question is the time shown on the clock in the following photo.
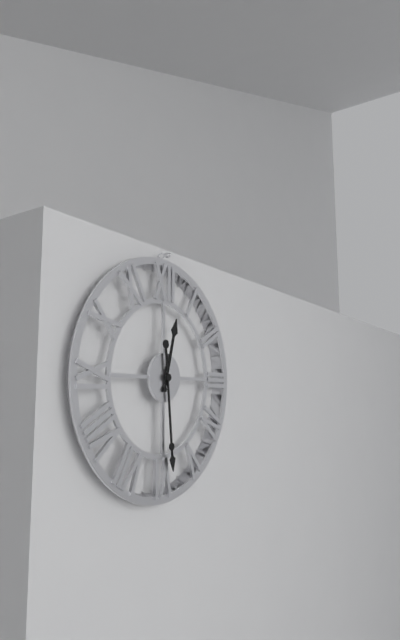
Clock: 12:29
